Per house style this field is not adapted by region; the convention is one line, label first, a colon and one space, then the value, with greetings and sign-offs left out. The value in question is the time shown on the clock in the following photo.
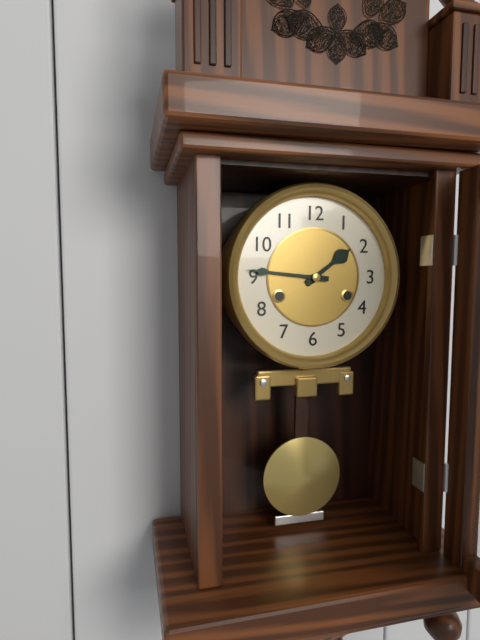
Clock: 1:46
